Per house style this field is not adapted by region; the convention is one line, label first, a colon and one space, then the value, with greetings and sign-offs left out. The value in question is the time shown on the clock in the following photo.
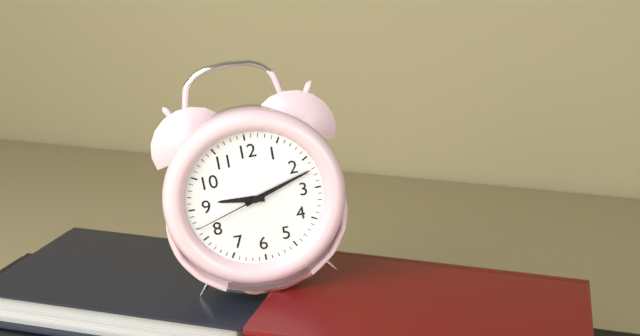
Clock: 9:12:42
